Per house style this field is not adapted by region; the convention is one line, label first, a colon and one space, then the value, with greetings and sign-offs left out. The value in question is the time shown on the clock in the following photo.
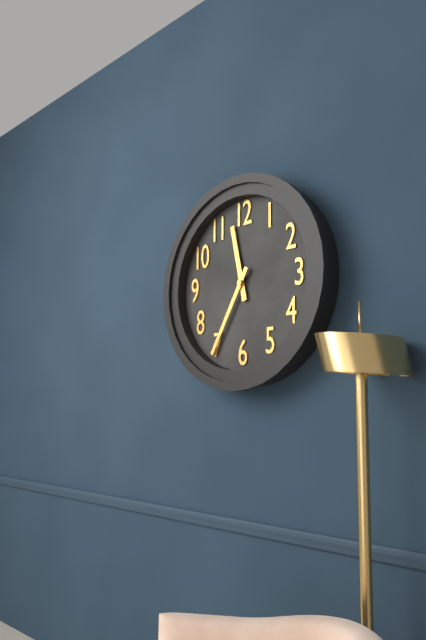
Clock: 11:35
